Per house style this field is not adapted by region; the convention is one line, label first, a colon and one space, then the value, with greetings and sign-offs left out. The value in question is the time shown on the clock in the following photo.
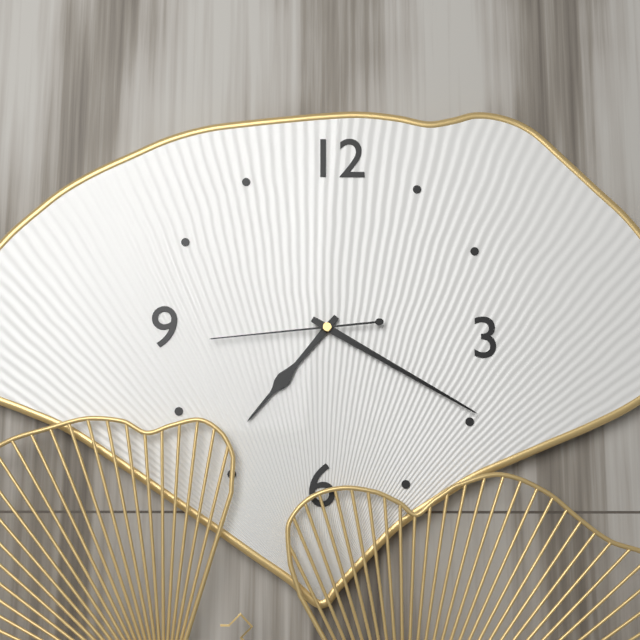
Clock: 7:20:44
